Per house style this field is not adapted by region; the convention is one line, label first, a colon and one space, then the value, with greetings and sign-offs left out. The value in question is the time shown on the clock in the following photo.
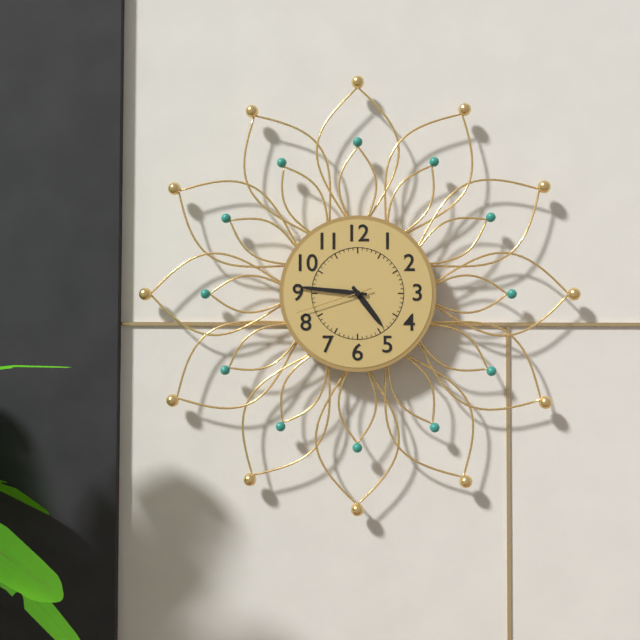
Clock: 4:46:42
